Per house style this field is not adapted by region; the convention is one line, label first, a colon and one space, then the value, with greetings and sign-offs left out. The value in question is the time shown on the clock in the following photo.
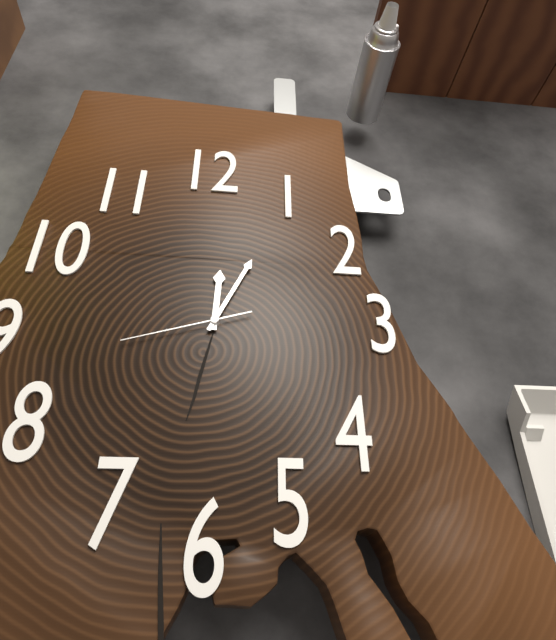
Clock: 12:04:42
